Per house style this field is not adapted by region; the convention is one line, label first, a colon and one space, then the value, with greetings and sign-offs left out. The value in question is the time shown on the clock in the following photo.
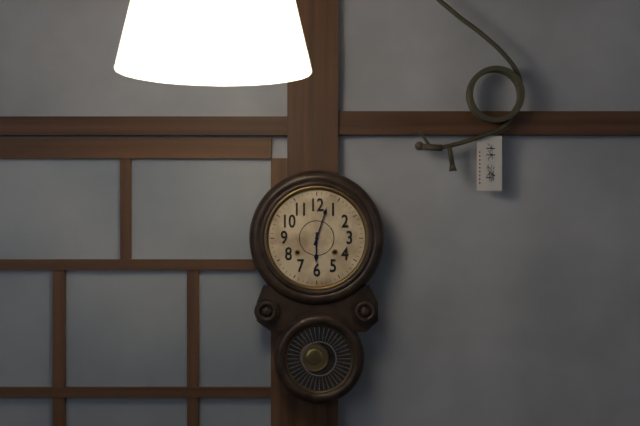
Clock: 6:03
